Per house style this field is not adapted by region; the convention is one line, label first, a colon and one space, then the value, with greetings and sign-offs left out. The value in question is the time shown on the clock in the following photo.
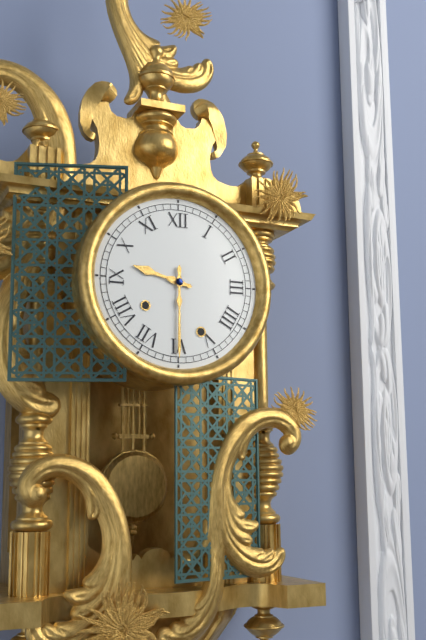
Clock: 9:30
